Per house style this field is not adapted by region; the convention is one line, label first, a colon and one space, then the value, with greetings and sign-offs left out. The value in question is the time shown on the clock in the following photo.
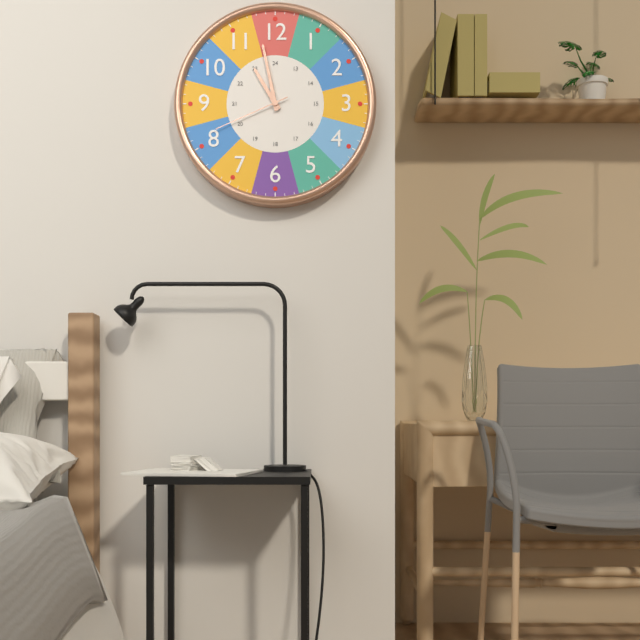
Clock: 10:58:41
